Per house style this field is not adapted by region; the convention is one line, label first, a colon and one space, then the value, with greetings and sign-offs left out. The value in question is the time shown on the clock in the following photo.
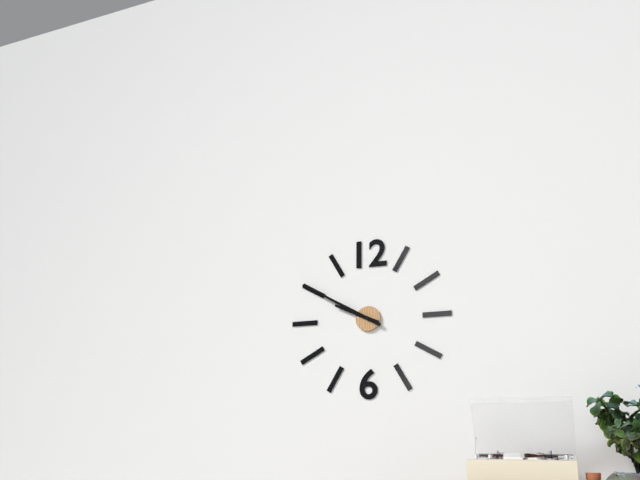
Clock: 9:50
